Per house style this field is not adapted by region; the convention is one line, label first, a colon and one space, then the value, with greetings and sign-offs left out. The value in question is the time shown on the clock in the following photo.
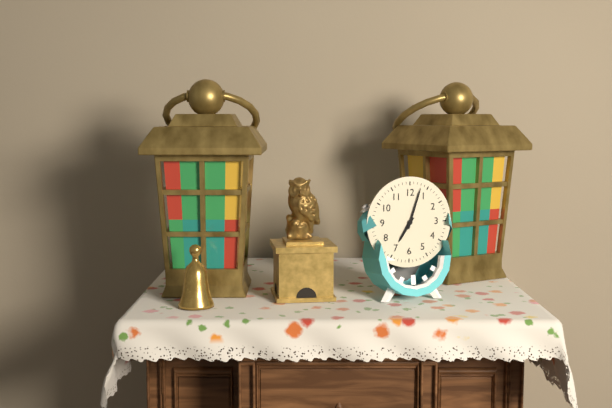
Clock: 7:03
